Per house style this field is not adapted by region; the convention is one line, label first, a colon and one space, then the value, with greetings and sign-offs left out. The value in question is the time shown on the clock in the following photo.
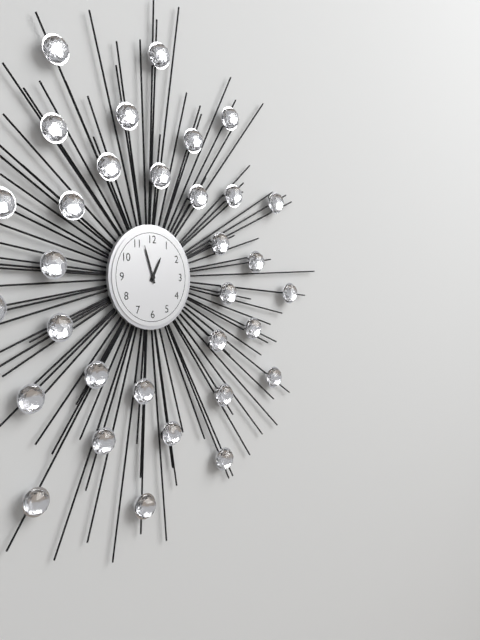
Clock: 12:57
